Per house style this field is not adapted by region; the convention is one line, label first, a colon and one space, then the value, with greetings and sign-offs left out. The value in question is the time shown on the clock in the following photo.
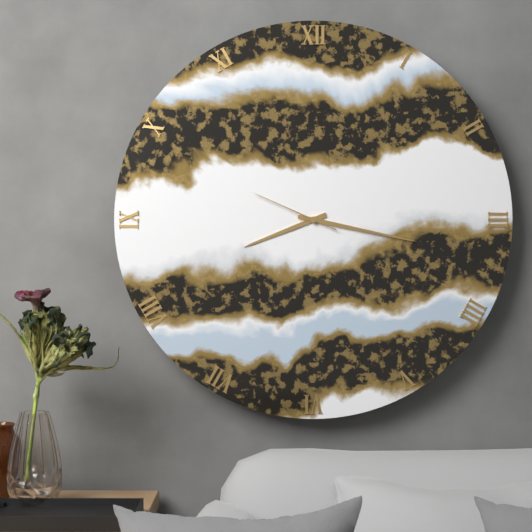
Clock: 8:17:49
